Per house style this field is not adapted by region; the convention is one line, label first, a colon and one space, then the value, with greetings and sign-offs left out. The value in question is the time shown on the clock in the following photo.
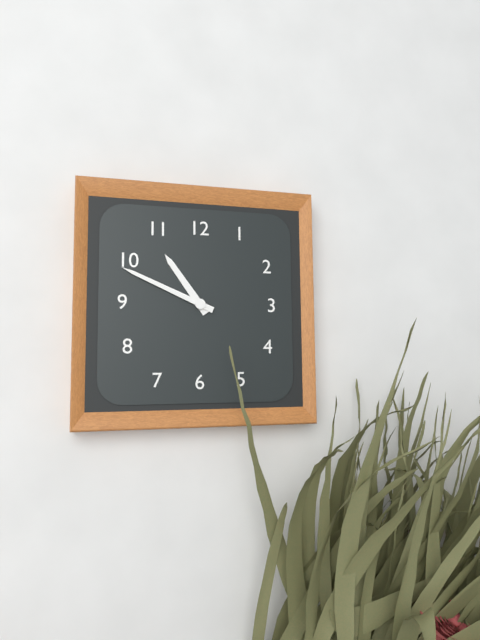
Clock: 10:49
